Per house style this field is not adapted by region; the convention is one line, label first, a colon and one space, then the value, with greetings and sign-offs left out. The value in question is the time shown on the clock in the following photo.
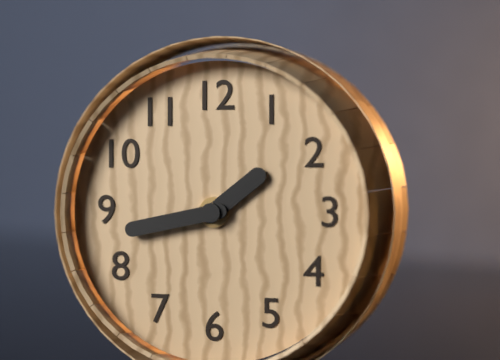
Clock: 1:43
